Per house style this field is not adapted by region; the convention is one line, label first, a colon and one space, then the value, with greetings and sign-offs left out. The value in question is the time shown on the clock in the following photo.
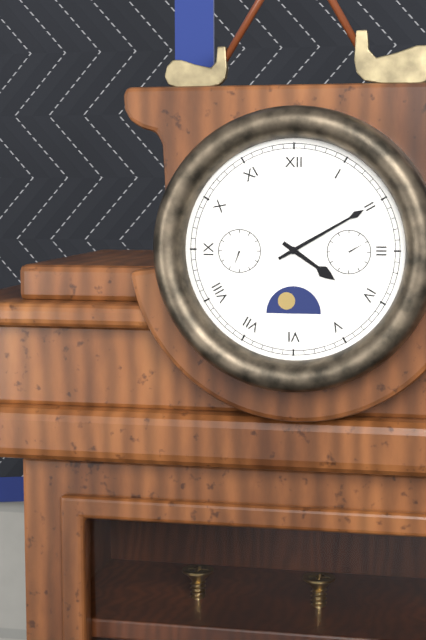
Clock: 4:10
